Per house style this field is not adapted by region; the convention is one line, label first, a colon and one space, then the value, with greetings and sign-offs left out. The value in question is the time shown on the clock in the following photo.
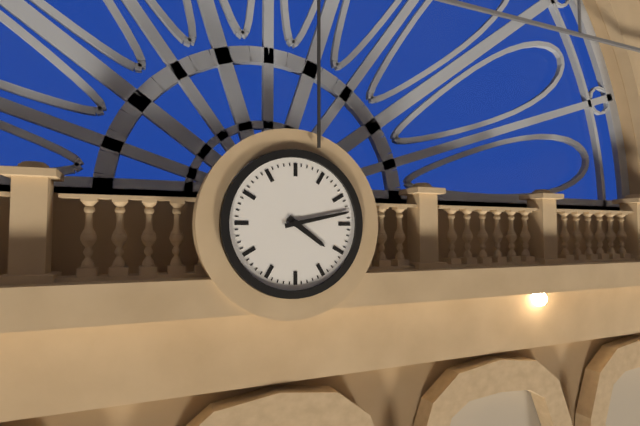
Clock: 4:13
